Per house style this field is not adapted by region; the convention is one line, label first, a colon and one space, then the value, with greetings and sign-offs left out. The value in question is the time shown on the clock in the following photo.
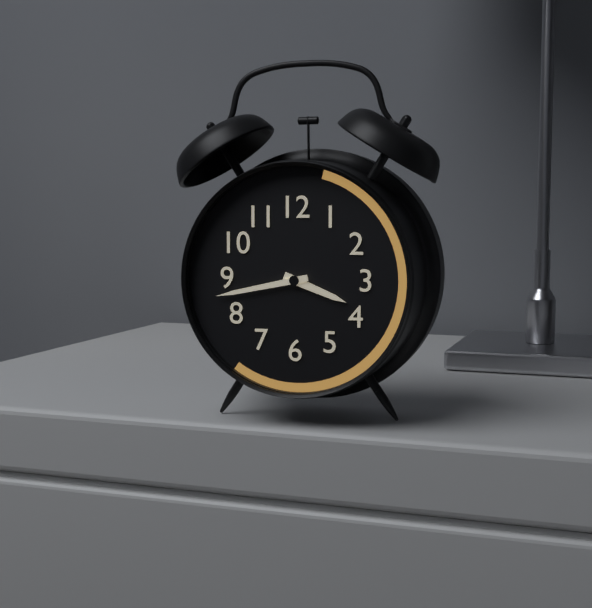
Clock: 3:43
